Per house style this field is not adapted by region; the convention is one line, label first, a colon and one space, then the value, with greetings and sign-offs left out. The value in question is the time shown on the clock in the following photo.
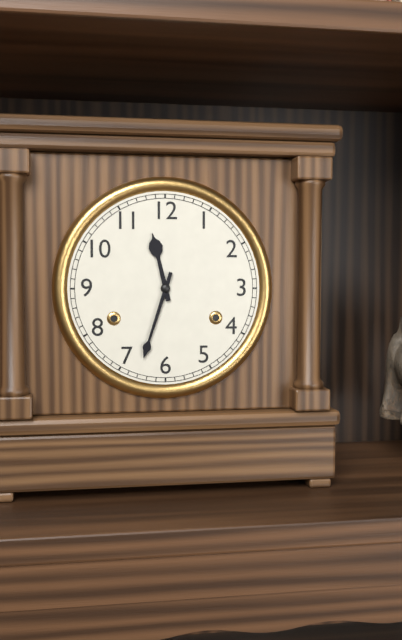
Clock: 11:33
